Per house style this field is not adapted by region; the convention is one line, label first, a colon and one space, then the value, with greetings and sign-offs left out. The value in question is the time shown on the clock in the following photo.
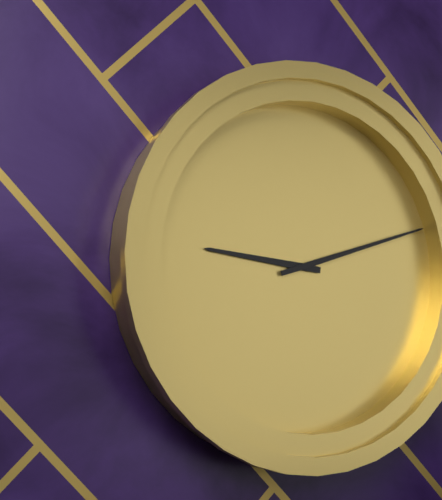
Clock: 9:12
